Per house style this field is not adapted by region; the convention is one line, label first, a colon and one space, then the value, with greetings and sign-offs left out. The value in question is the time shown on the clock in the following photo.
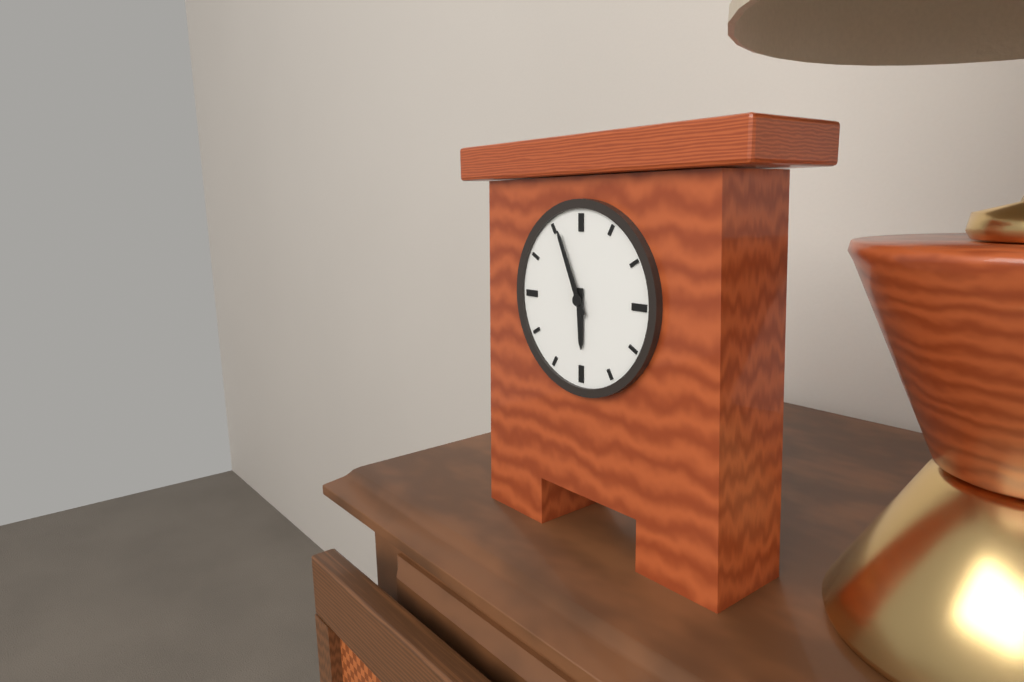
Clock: 5:56
